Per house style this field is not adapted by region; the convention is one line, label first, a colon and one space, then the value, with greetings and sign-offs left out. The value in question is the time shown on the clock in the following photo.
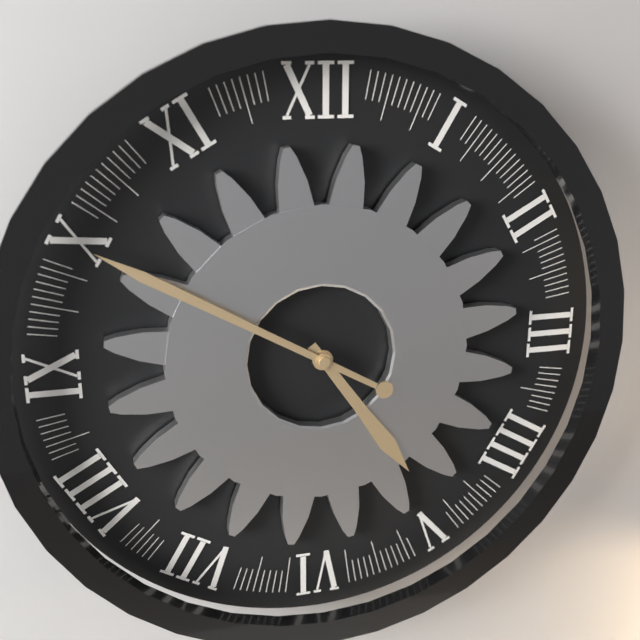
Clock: 4:50
